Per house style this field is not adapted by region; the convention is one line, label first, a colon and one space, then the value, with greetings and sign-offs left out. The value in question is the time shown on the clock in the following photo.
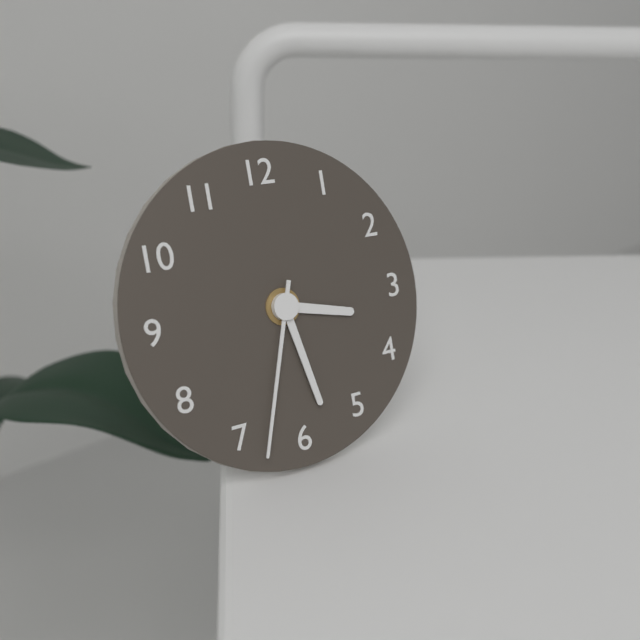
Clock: 3:28:33
